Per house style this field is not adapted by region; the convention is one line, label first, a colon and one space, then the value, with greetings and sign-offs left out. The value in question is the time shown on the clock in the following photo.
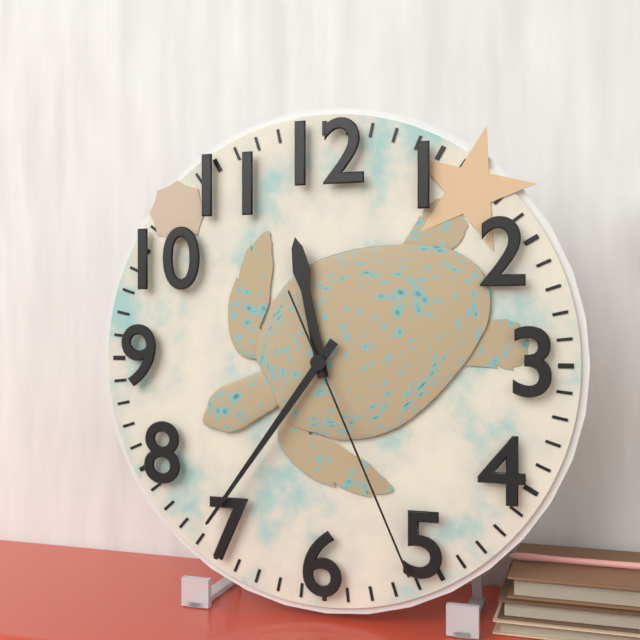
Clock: 11:36:26
